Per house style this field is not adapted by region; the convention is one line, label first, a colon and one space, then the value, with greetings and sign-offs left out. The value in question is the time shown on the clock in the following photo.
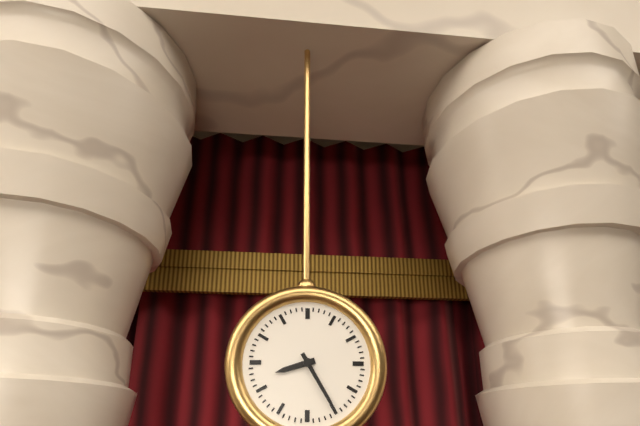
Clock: 8:25
